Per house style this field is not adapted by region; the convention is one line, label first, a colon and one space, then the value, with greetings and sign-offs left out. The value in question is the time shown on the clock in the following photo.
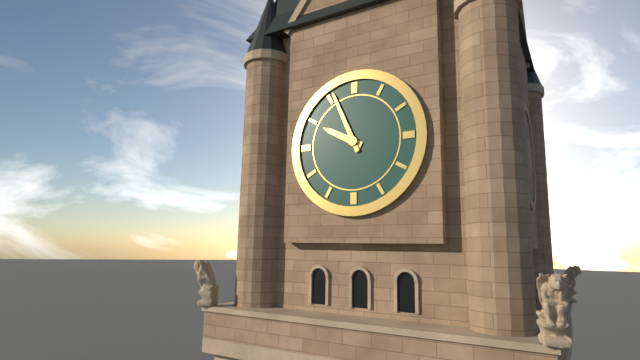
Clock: 9:56
